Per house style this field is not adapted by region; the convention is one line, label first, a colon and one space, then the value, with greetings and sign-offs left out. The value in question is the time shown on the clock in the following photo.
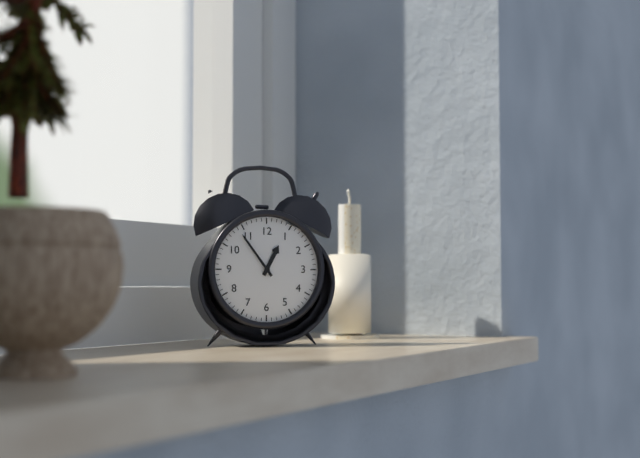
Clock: 12:54
